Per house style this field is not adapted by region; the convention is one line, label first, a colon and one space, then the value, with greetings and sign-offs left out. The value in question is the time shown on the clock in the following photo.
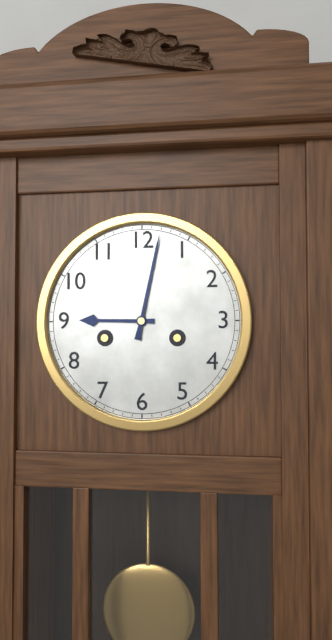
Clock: 9:02
